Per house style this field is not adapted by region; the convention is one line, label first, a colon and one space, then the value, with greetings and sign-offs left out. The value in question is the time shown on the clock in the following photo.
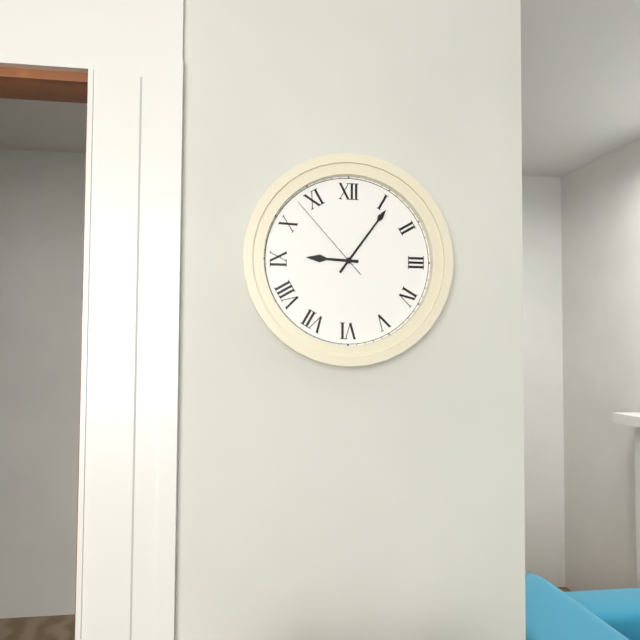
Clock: 9:06:53
